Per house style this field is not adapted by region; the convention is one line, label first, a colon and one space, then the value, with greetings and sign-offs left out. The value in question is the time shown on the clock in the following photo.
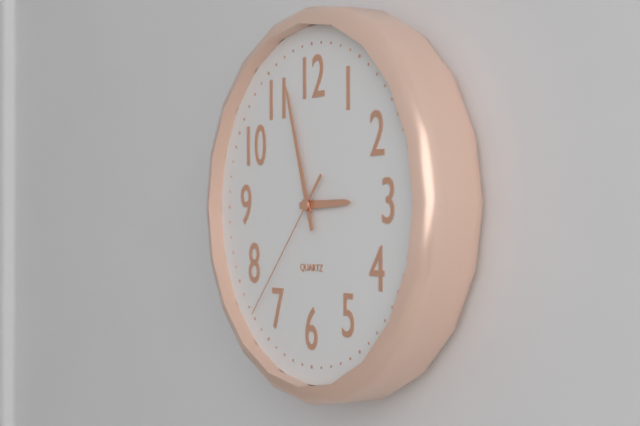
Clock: 2:57:37
